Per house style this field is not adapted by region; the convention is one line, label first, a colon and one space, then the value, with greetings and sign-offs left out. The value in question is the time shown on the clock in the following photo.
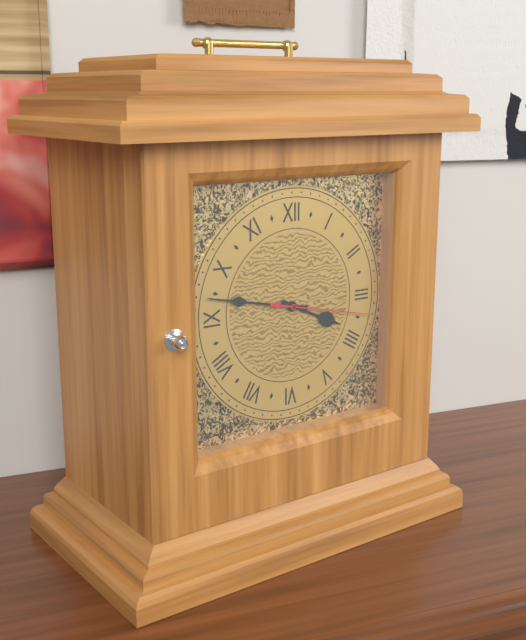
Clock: 3:47:17
